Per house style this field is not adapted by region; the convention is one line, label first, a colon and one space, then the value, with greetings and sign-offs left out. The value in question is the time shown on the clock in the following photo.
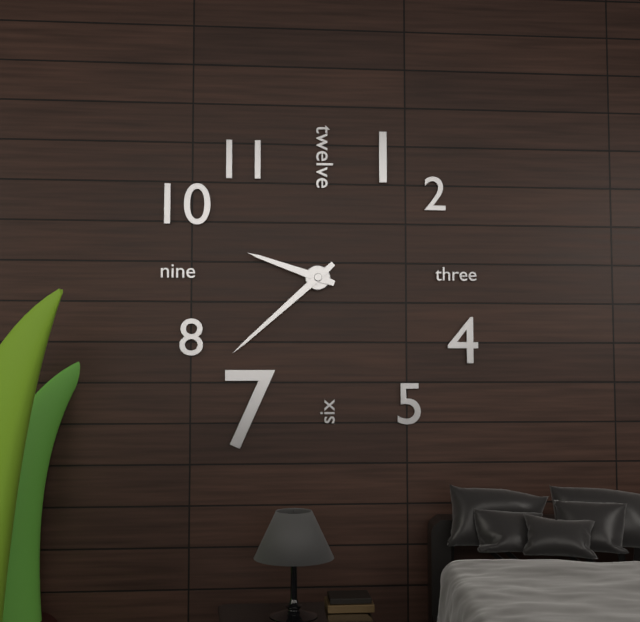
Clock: 9:38
